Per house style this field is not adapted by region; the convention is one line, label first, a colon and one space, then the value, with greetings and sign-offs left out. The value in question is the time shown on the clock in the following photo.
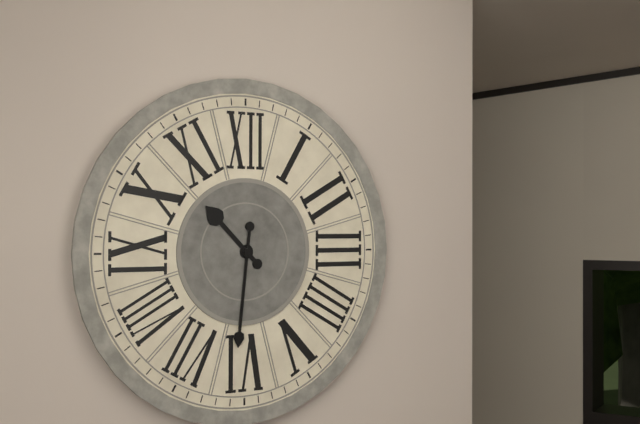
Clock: 10:31
